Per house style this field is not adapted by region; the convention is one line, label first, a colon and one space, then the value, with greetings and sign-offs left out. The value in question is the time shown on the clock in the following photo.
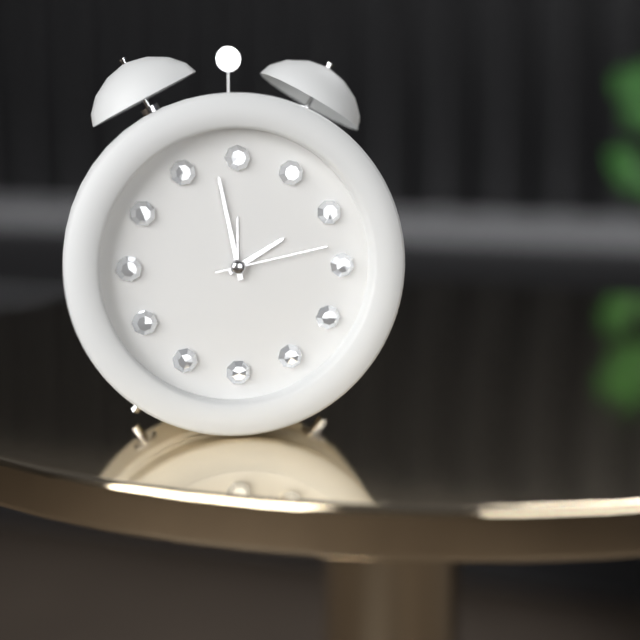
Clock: 1:58:13
